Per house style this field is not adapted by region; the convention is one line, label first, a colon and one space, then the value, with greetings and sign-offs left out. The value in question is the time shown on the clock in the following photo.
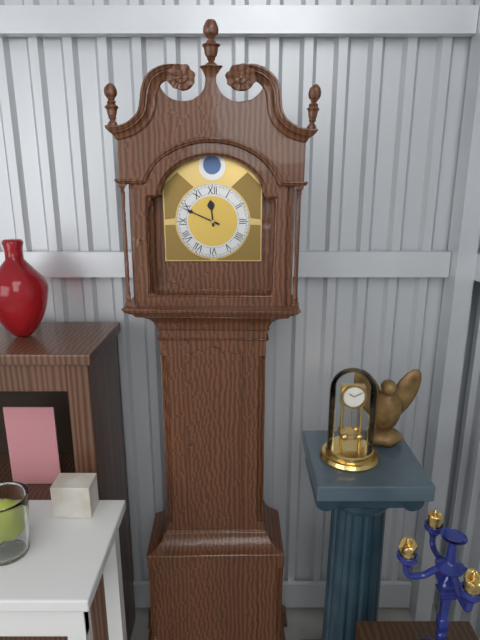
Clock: 11:49
